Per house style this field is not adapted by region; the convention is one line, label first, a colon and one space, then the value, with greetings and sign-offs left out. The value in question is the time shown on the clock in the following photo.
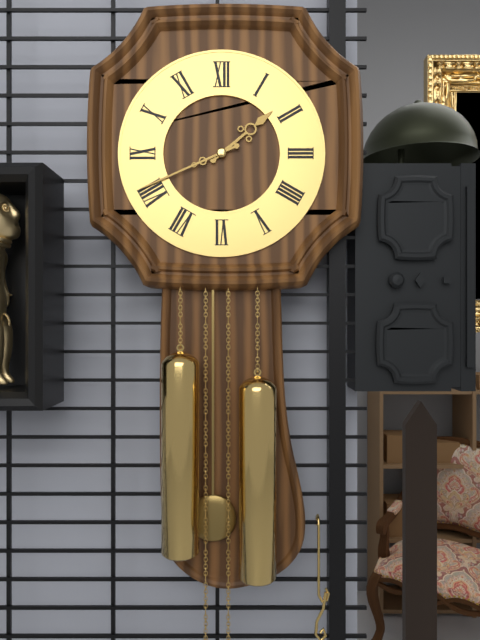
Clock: 1:41
